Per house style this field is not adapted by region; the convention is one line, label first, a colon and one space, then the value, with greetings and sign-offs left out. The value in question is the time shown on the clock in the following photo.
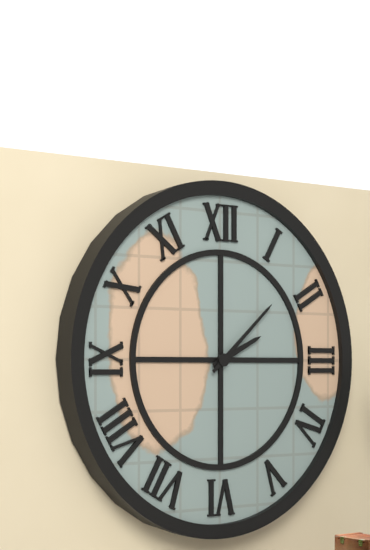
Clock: 2:08
